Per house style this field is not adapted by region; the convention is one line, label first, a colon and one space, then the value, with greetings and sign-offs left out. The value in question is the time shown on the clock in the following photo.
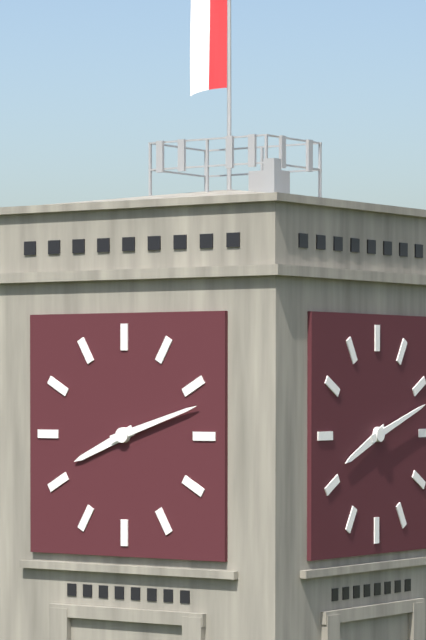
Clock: 8:12
